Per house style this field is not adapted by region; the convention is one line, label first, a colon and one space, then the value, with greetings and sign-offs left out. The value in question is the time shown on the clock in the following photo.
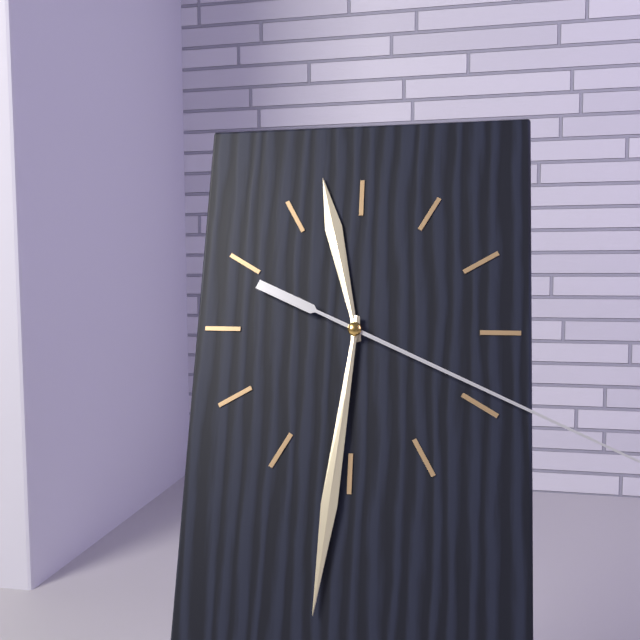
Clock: 11:31
